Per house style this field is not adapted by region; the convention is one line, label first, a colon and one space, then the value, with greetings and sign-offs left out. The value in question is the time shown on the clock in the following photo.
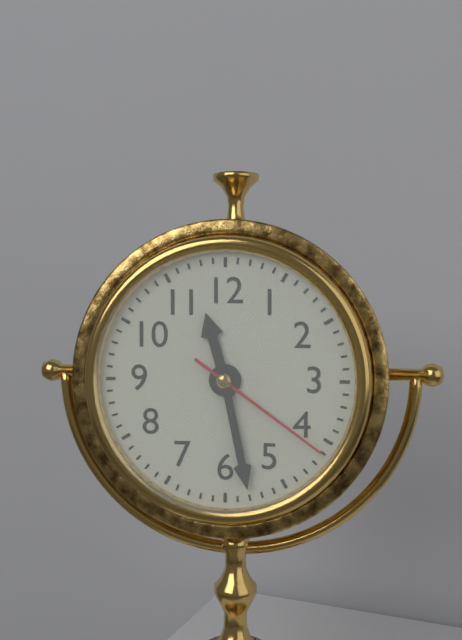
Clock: 11:28:21
